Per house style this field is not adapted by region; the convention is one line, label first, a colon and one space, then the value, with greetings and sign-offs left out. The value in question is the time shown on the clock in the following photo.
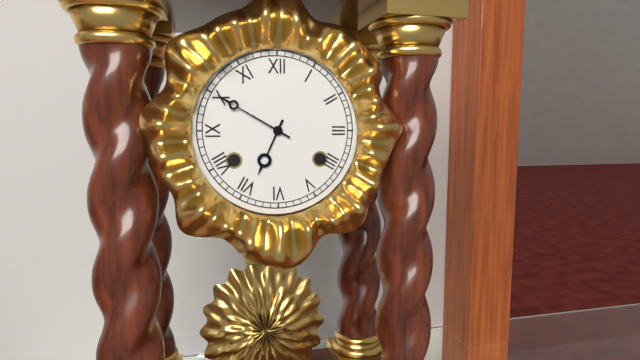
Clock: 6:50
